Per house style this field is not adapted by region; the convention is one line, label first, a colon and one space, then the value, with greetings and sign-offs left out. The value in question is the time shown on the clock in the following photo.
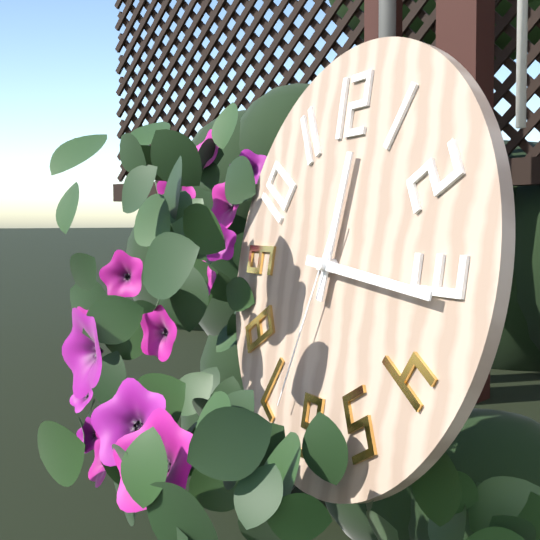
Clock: 12:16:33
